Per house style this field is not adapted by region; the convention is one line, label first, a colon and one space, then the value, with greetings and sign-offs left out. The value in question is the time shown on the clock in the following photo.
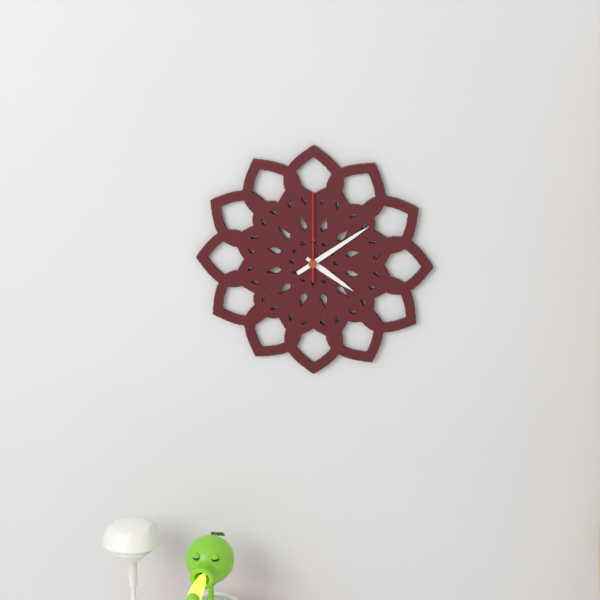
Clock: 4:09:00
